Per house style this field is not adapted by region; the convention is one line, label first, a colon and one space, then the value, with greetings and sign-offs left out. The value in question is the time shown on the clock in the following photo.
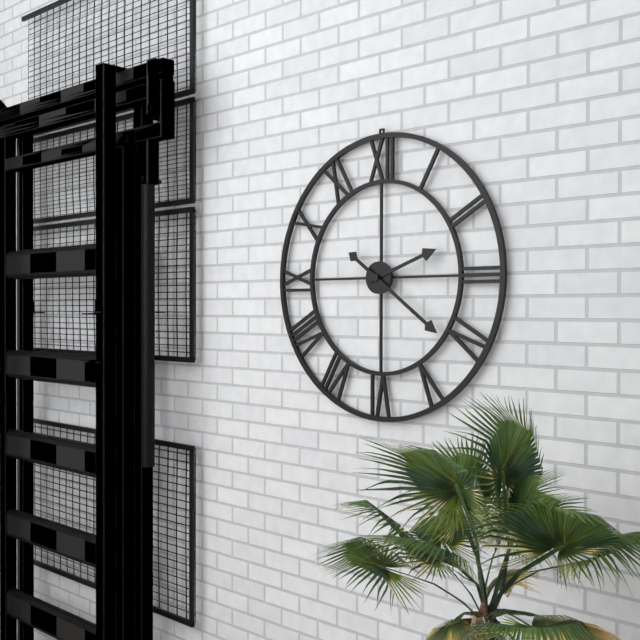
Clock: 2:21
